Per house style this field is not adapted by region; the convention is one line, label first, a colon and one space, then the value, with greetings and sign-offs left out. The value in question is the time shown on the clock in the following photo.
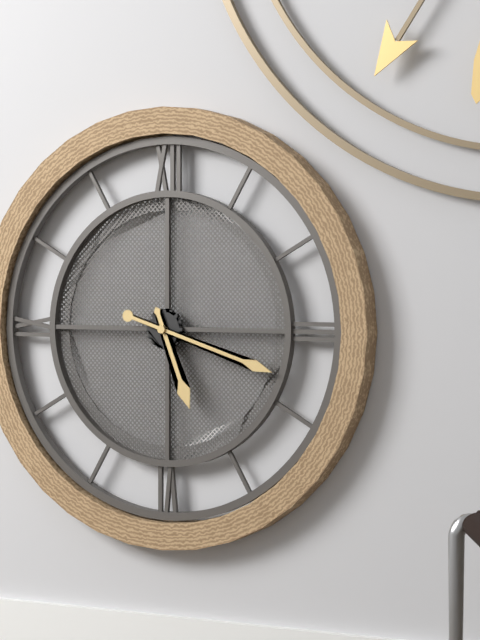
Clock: 5:18
